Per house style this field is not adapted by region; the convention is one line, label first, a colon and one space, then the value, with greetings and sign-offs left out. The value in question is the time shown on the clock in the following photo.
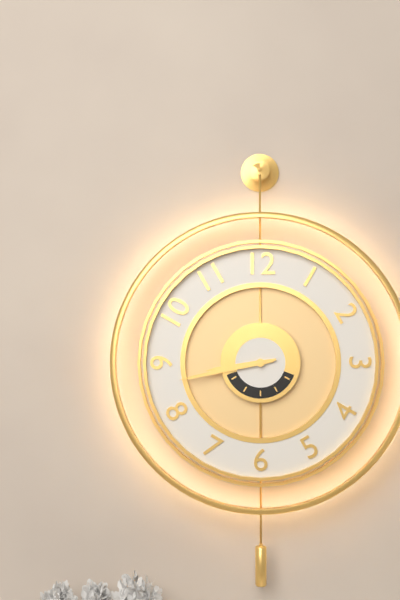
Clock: 8:43
